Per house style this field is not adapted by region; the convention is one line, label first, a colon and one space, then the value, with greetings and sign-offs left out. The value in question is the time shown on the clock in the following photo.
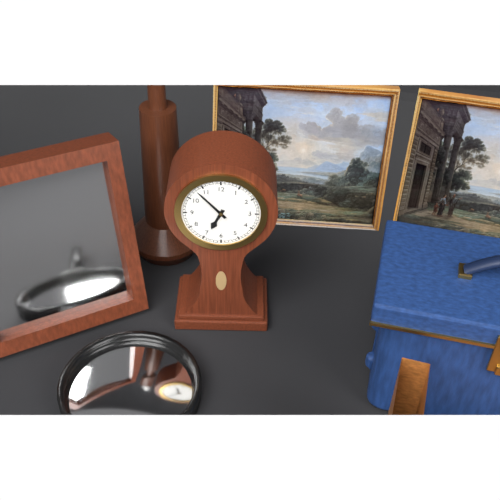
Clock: 6:53
